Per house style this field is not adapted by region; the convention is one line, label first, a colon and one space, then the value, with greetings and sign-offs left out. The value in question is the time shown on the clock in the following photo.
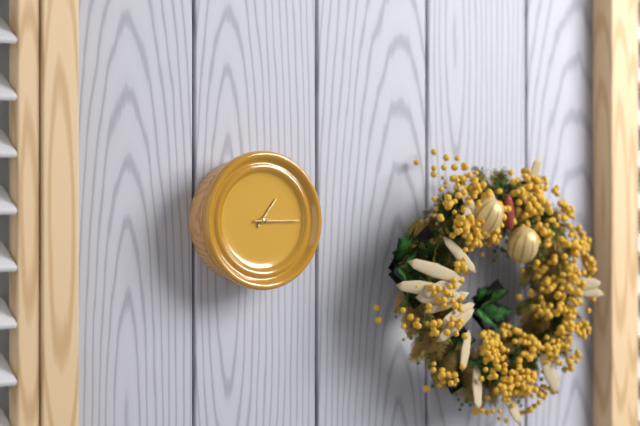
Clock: 1:15
